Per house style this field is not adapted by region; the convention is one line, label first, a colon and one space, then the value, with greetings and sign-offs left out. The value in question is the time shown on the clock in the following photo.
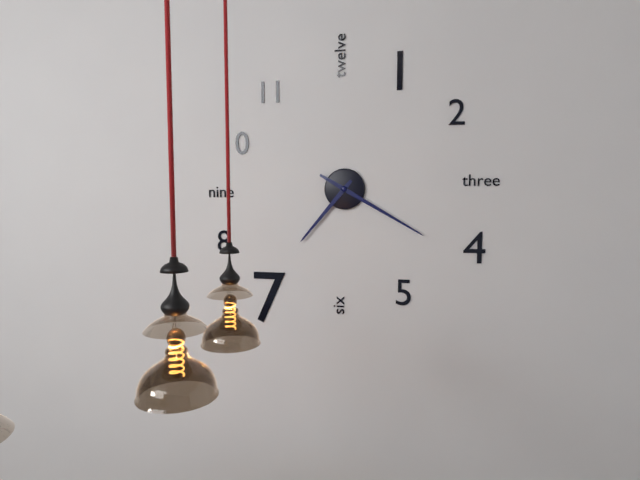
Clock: 7:20
